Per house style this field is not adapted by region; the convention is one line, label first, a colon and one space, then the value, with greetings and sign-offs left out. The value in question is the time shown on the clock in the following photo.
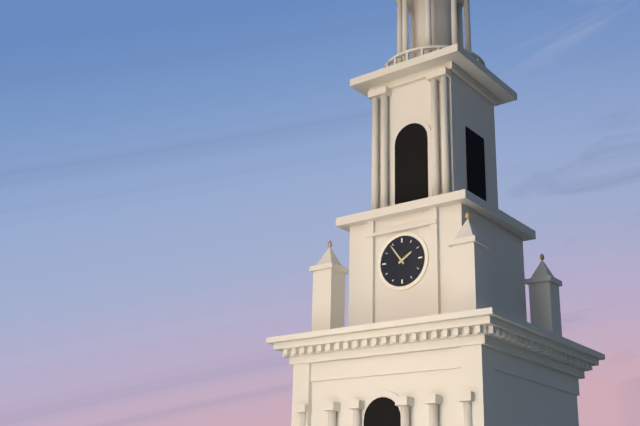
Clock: 1:54
